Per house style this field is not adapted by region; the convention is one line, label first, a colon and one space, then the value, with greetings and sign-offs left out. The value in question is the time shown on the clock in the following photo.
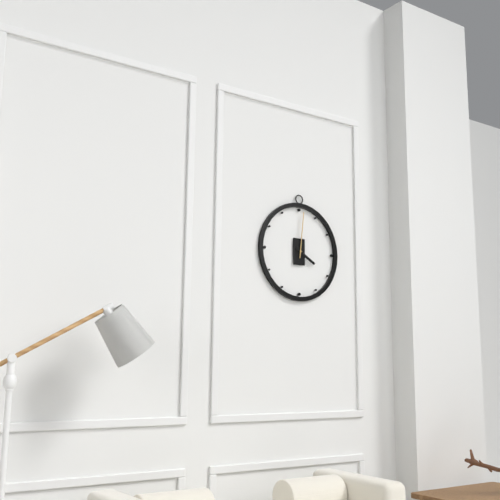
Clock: 4:01
